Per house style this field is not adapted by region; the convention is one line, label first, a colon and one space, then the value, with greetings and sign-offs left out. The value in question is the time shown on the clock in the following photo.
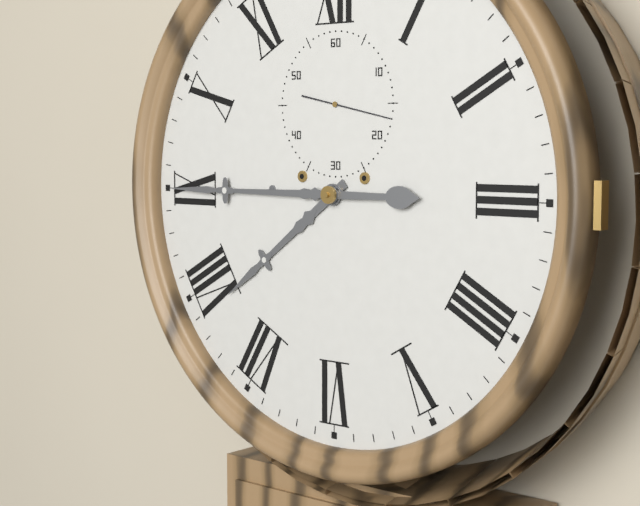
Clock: 7:45:17
